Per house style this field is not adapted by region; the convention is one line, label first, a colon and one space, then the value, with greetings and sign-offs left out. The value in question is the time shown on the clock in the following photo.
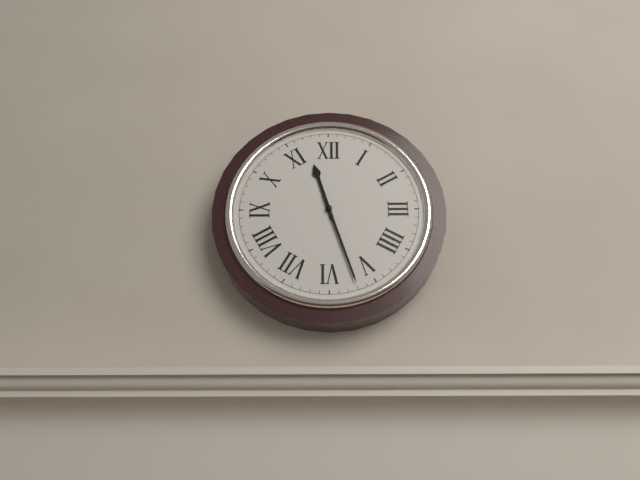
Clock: 11:27
